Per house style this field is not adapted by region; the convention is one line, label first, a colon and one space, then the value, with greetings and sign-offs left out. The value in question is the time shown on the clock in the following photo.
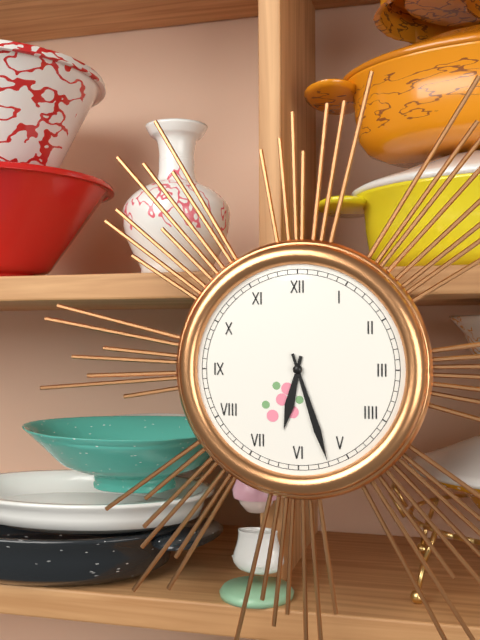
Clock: 6:27
